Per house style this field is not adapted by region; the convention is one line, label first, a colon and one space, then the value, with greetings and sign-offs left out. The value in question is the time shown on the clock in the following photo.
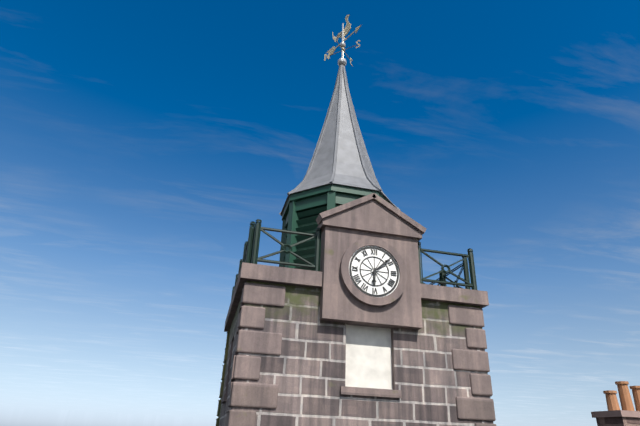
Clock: 6:08
